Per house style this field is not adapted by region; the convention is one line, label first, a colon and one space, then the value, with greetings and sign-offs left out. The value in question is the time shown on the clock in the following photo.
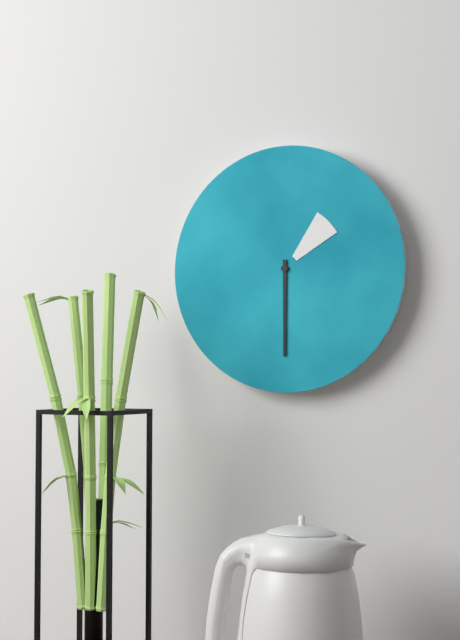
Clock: 1:30
